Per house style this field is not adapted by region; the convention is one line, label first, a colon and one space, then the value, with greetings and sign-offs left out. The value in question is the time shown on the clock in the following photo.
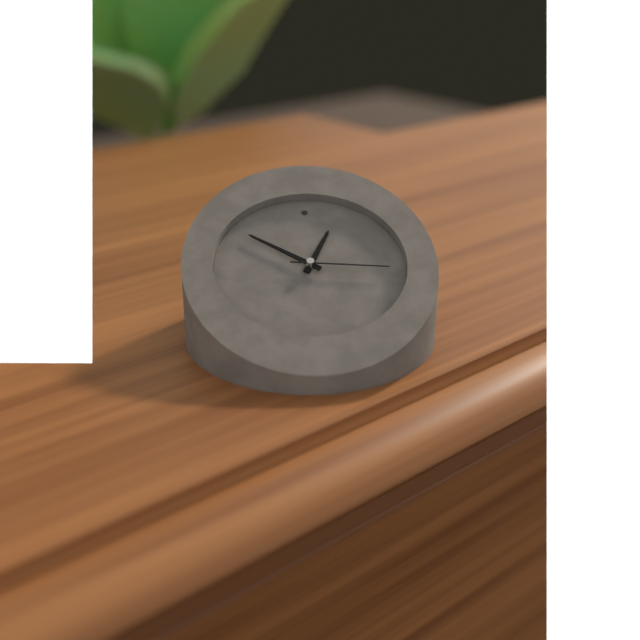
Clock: 12:51:16
